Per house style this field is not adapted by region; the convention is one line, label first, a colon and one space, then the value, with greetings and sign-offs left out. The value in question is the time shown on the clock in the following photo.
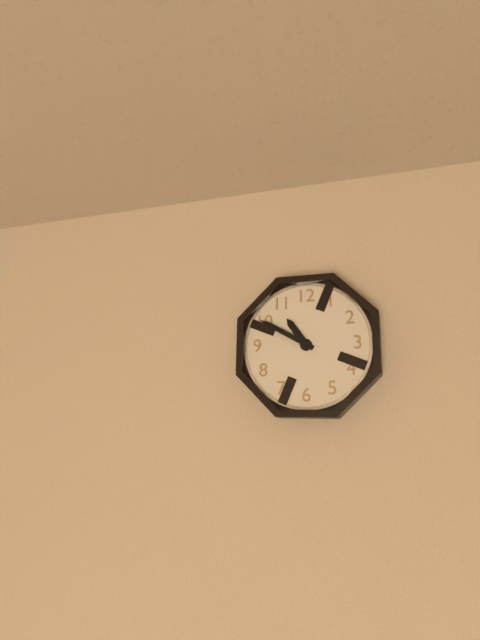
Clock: 10:50
